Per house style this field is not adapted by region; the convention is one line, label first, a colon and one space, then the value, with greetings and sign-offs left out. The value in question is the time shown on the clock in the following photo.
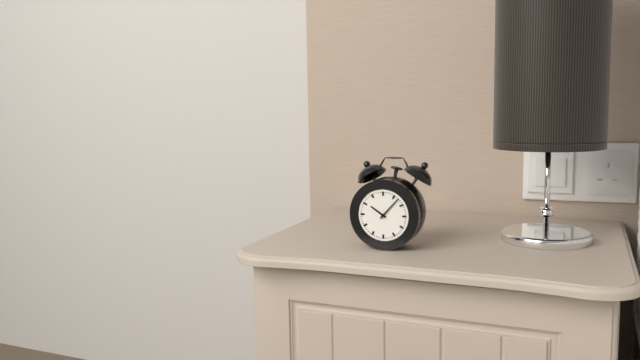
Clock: 10:07
